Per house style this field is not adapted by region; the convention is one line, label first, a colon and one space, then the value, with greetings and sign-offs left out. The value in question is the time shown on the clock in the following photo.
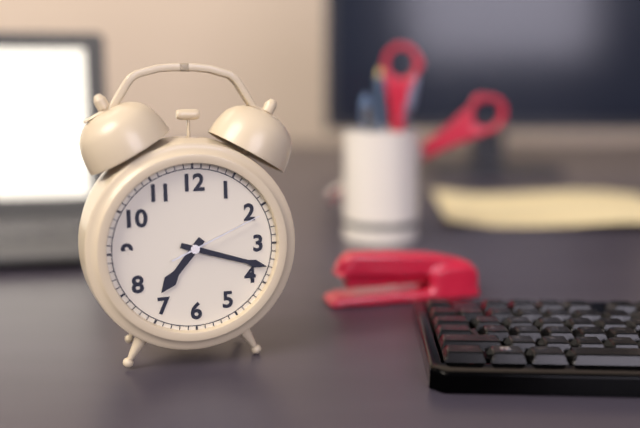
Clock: 7:18:11
